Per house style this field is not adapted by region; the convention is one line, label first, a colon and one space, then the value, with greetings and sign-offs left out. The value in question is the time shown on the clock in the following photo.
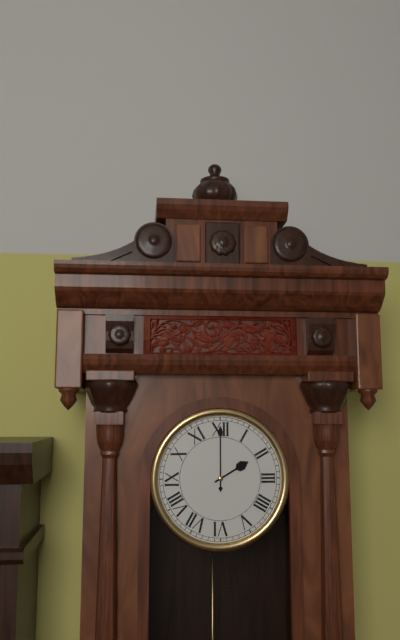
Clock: 2:00
